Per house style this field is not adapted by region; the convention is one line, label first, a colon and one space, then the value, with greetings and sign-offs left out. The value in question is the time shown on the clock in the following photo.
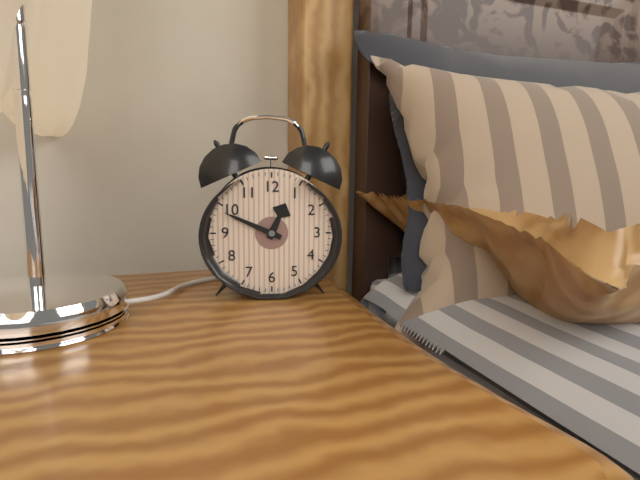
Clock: 12:49
